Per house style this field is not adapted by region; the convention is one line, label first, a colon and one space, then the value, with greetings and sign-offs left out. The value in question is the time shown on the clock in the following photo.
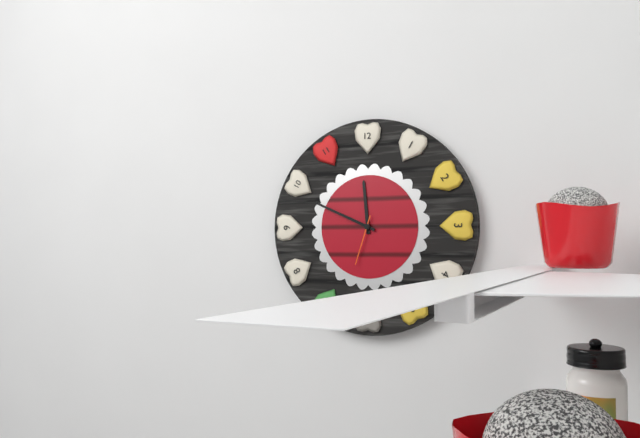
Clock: 11:49:33
